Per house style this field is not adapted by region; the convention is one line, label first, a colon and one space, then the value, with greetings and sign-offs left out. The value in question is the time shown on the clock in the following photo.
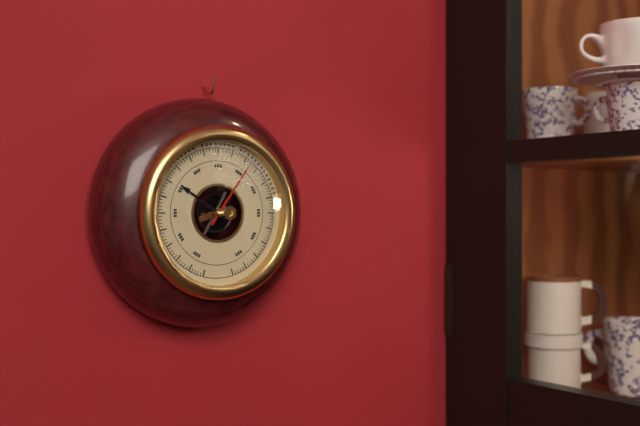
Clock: 10:06
